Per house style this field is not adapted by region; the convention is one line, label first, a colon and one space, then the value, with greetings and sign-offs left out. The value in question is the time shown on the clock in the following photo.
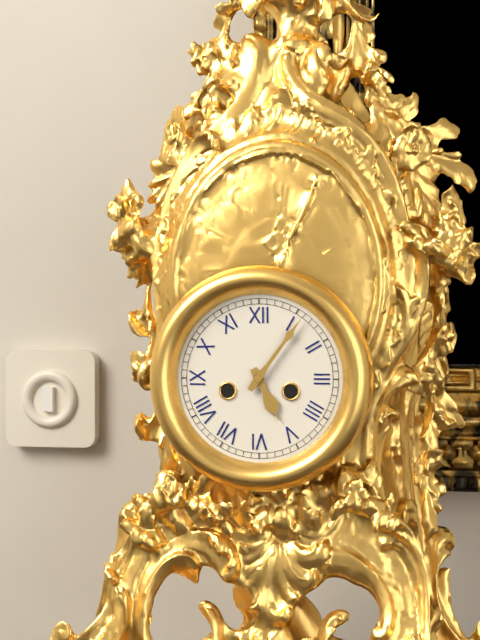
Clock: 5:06
